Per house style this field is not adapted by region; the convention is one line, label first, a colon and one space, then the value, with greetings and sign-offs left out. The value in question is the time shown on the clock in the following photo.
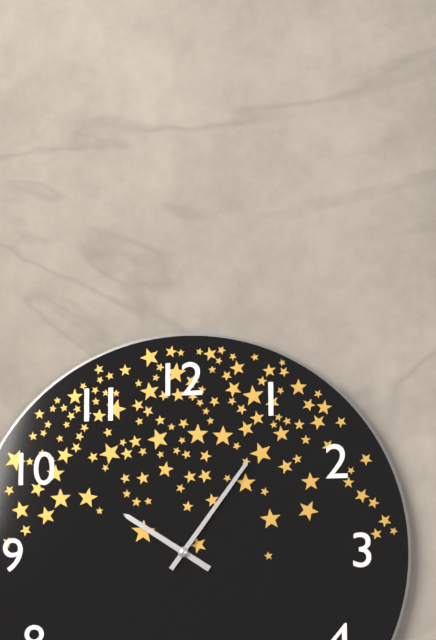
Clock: 10:06
